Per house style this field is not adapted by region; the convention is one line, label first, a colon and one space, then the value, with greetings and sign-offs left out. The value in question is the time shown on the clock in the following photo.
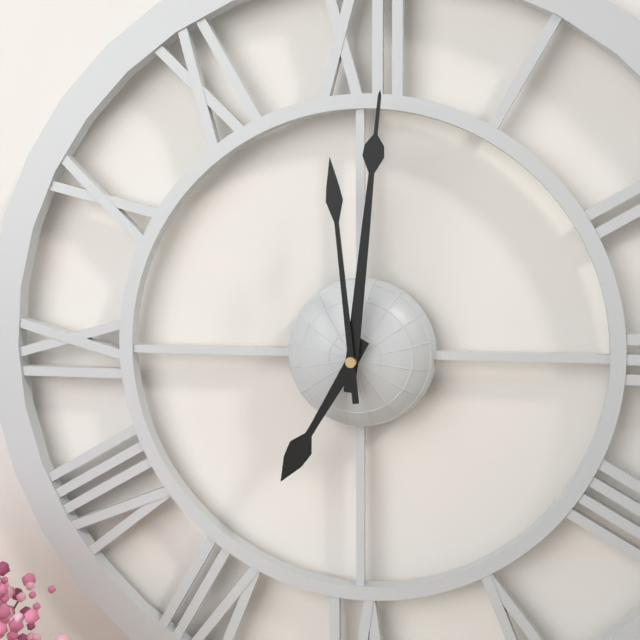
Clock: 7:01:59
